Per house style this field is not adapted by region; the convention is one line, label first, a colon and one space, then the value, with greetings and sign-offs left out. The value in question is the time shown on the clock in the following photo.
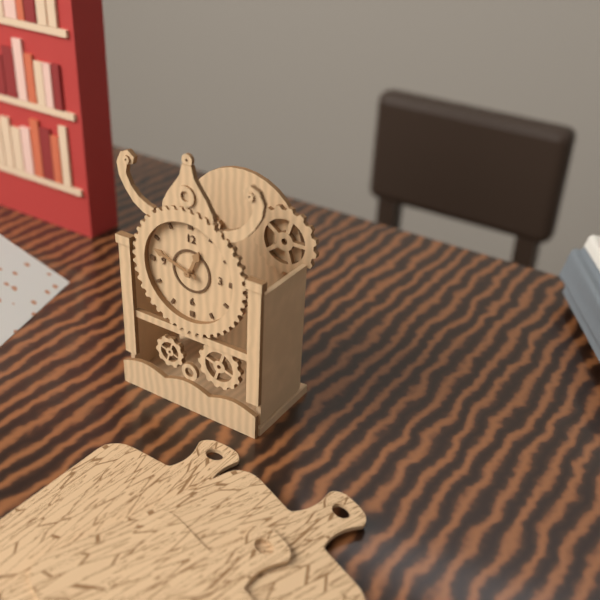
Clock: 12:48
